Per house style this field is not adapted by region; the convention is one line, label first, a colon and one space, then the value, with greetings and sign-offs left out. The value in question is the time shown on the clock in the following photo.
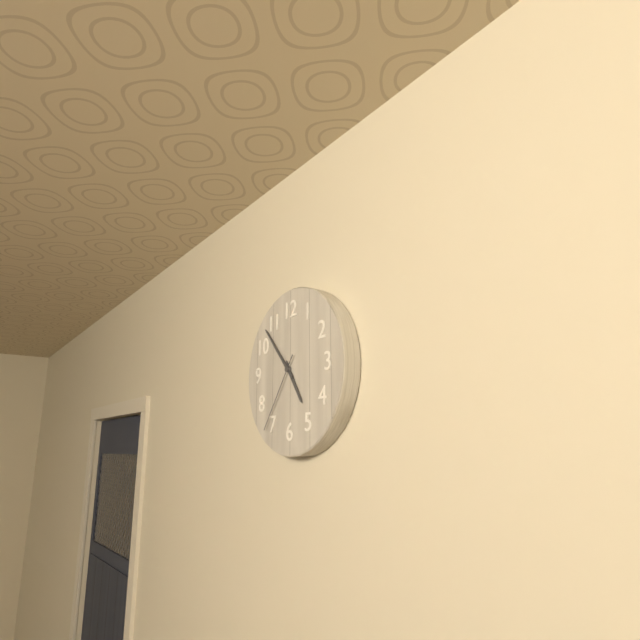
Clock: 4:53:36
